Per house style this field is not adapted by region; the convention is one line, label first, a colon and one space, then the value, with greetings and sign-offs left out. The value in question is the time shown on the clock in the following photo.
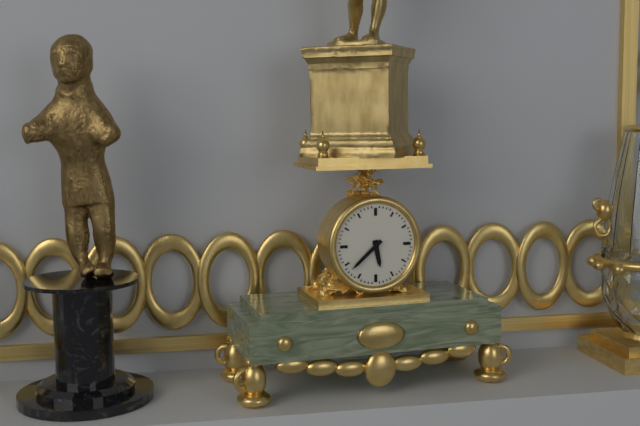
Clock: 5:38
